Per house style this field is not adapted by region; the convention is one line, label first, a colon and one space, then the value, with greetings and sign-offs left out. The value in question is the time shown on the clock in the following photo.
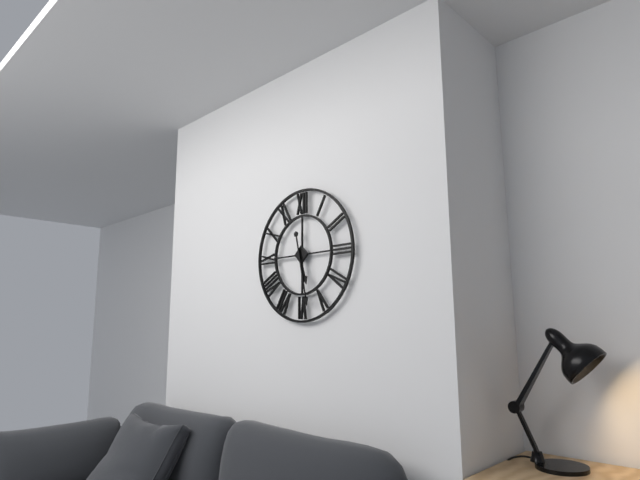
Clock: 5:28
